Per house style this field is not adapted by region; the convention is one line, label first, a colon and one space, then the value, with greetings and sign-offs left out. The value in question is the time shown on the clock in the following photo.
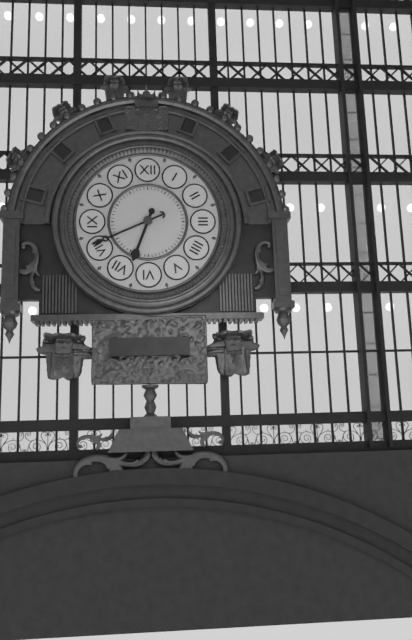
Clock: 6:41
